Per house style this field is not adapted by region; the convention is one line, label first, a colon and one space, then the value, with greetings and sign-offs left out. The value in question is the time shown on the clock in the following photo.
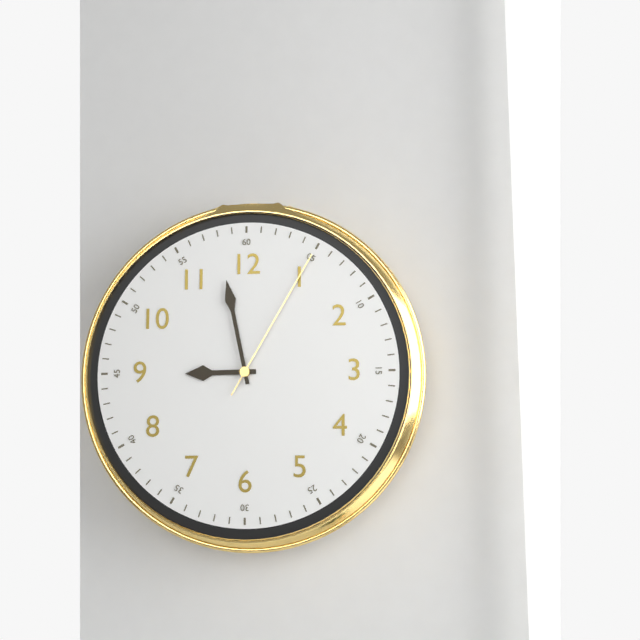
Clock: 8:58:05
